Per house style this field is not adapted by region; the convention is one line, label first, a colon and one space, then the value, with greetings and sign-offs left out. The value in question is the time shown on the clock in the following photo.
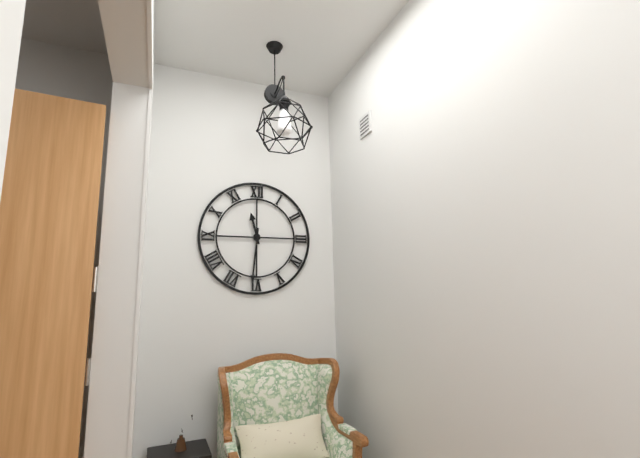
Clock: 11:31
